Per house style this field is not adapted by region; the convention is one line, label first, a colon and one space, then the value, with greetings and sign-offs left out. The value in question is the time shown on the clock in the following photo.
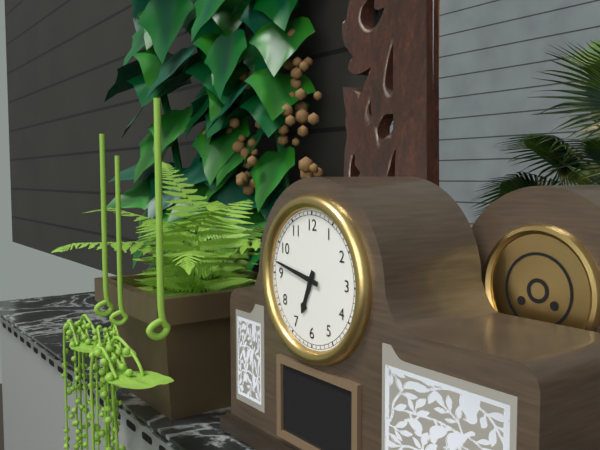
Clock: 6:47
